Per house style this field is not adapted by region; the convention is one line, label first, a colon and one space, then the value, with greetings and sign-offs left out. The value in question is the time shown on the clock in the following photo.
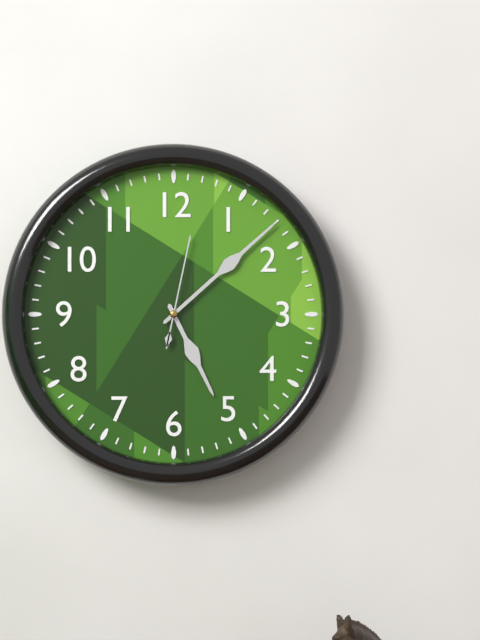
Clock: 5:08:02
